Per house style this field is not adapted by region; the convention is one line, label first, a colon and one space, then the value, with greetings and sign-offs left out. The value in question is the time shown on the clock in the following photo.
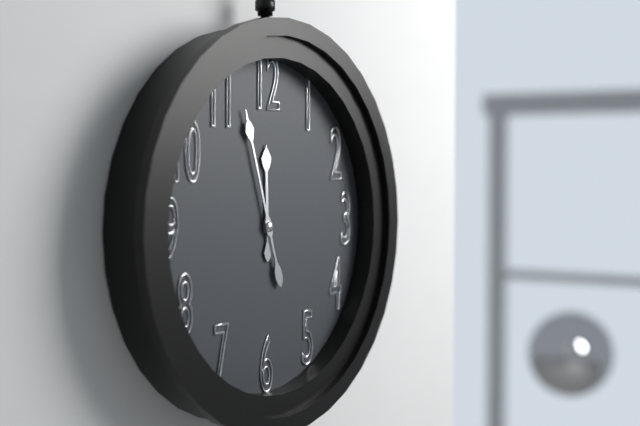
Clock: 11:57
